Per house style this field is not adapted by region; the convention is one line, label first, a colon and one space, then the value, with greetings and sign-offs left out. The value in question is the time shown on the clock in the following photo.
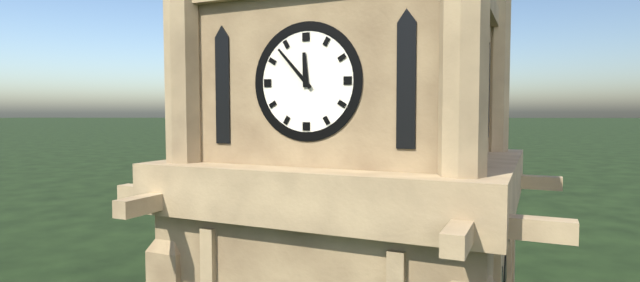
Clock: 11:53
